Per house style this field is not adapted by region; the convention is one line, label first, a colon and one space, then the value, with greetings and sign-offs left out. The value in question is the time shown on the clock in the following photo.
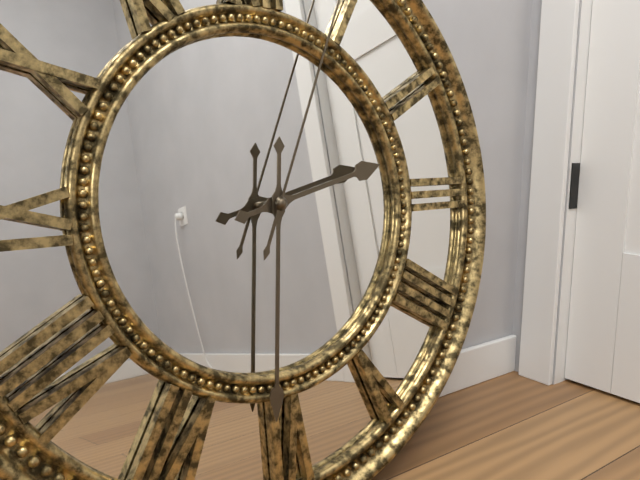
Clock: 2:31
